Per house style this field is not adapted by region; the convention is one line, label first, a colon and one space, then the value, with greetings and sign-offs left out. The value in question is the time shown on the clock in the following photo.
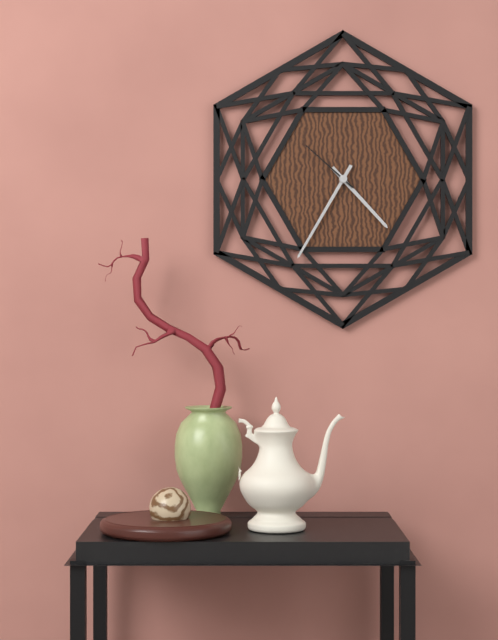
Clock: 4:35:52
